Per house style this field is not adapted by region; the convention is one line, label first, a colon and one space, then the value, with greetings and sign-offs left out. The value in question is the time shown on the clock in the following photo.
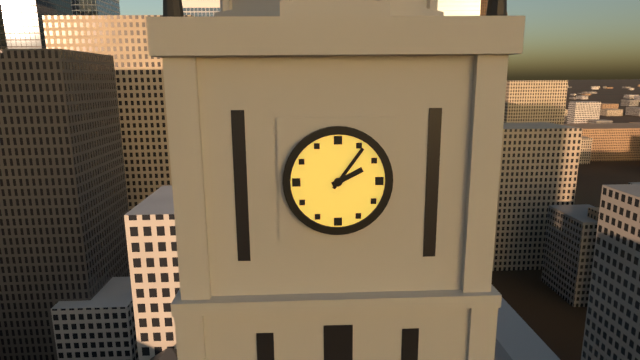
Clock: 2:06
